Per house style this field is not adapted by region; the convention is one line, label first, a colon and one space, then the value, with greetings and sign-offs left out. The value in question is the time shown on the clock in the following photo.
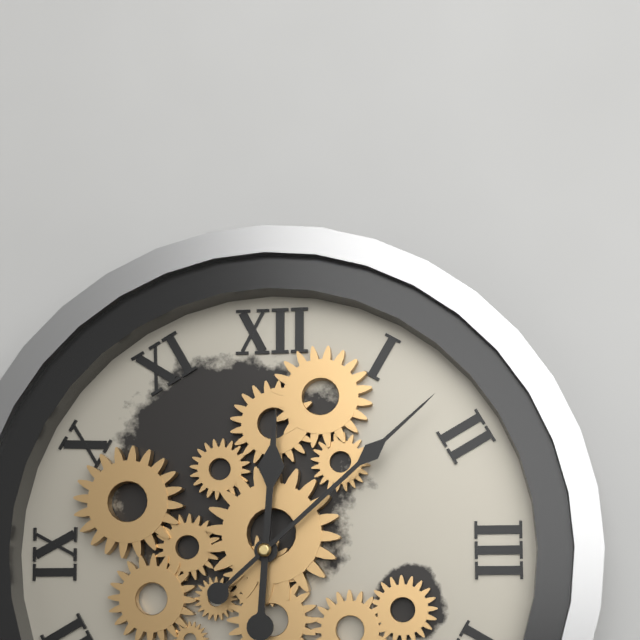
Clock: 12:08
